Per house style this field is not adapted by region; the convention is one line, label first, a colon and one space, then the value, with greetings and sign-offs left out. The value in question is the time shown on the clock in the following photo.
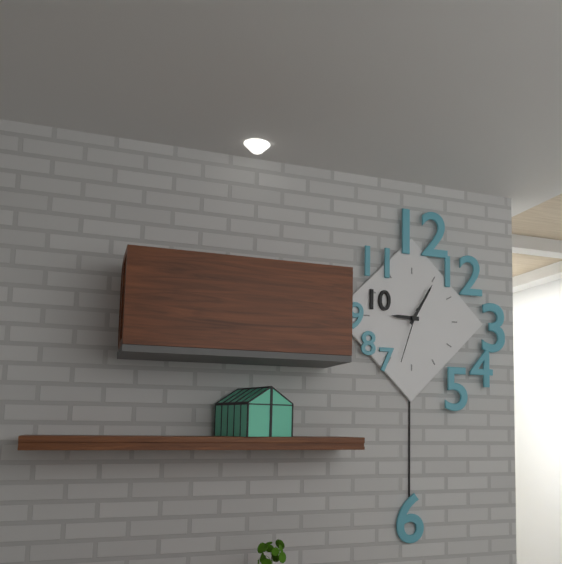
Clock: 9:05:33
